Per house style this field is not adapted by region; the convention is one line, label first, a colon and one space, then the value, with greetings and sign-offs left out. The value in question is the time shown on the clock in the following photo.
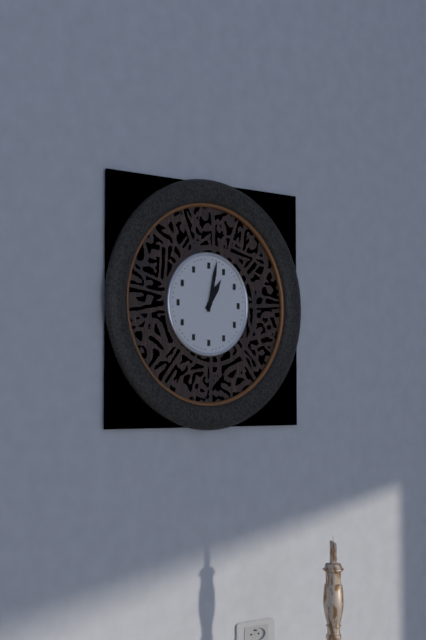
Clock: 1:02
